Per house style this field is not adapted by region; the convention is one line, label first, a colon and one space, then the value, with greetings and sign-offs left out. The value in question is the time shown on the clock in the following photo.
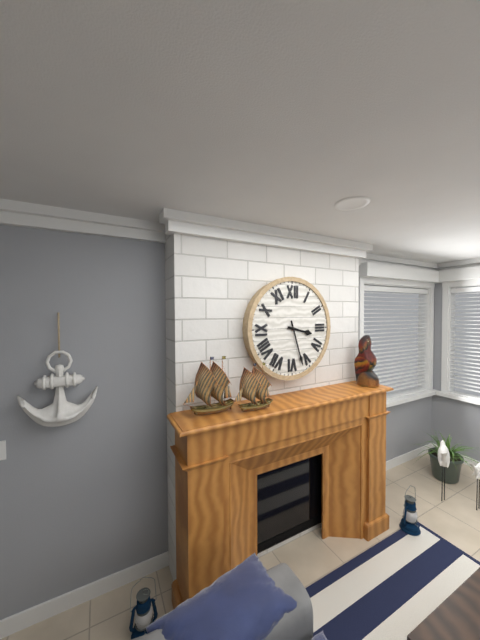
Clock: 3:27
